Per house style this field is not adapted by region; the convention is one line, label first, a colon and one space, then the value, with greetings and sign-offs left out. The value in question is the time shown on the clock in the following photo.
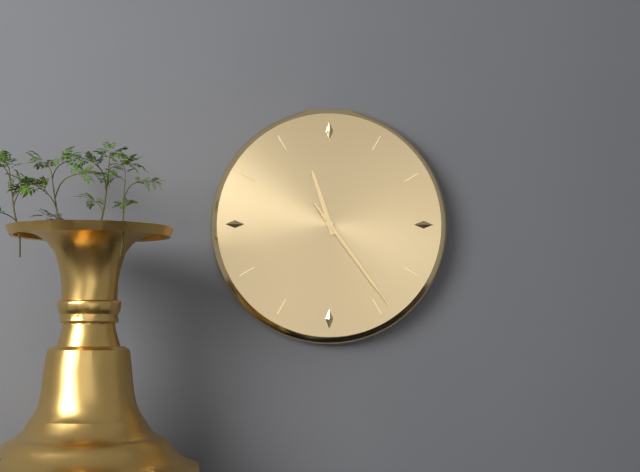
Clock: 11:24:24
